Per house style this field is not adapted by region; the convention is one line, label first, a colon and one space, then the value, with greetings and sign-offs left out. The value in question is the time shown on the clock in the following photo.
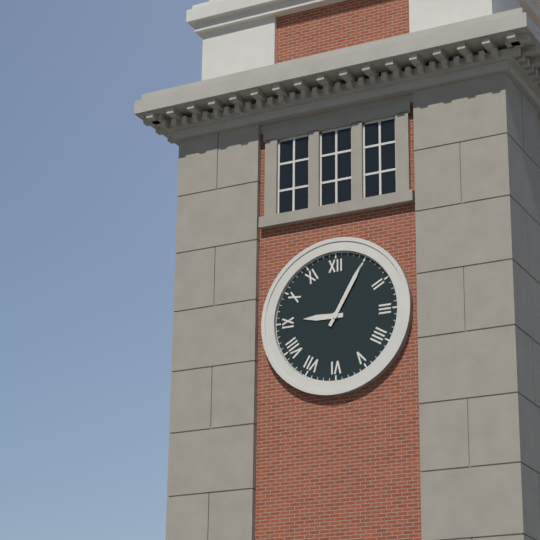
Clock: 9:05
